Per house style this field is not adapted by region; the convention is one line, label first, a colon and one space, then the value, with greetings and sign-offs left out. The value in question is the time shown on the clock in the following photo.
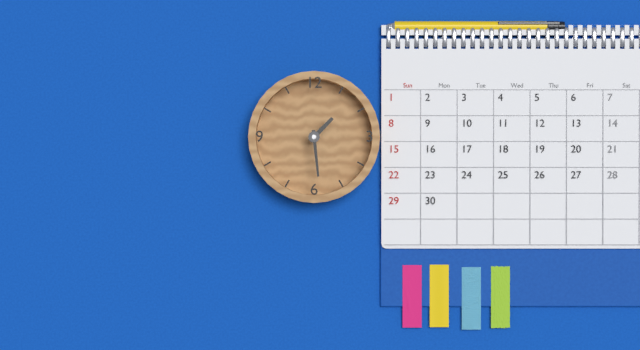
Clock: 1:29
